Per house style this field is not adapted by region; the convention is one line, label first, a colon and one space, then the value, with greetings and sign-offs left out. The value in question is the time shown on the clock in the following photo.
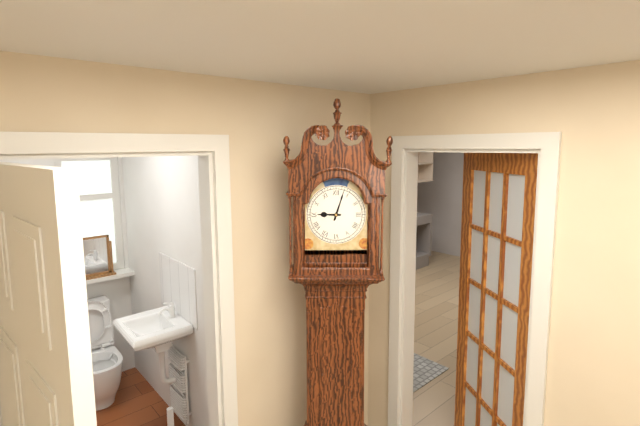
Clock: 9:03
